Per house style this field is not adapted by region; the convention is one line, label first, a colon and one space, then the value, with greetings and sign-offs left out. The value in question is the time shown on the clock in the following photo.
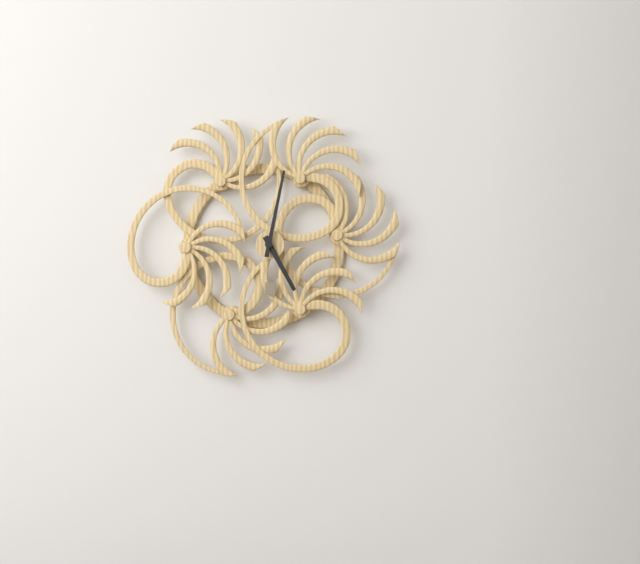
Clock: 5:02
